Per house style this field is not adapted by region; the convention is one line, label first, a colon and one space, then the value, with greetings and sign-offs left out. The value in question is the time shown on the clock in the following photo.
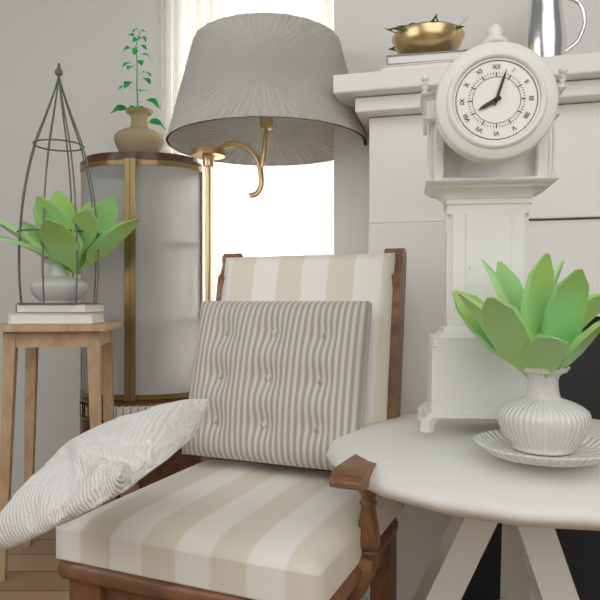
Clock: 8:03
